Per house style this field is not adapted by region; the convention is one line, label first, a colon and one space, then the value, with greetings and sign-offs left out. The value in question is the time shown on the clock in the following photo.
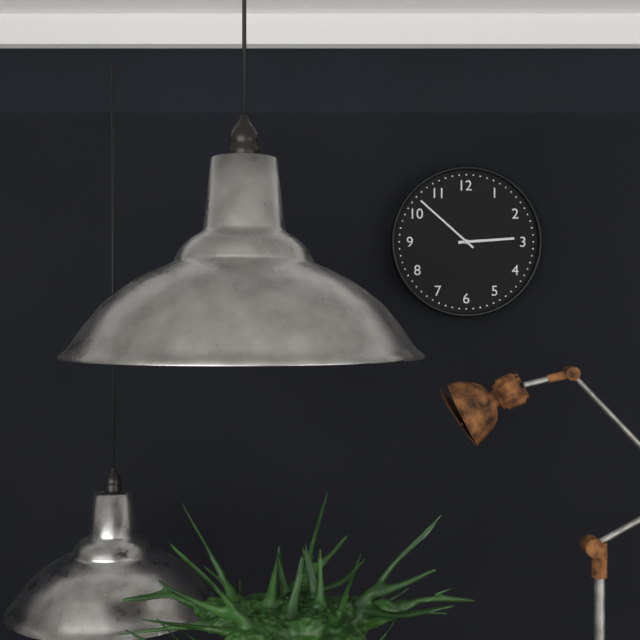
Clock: 2:52
